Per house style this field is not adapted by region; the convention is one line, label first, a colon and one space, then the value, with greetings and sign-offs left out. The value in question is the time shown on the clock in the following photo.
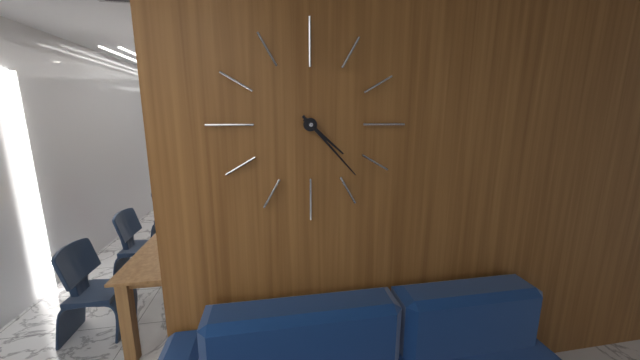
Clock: 4:23
